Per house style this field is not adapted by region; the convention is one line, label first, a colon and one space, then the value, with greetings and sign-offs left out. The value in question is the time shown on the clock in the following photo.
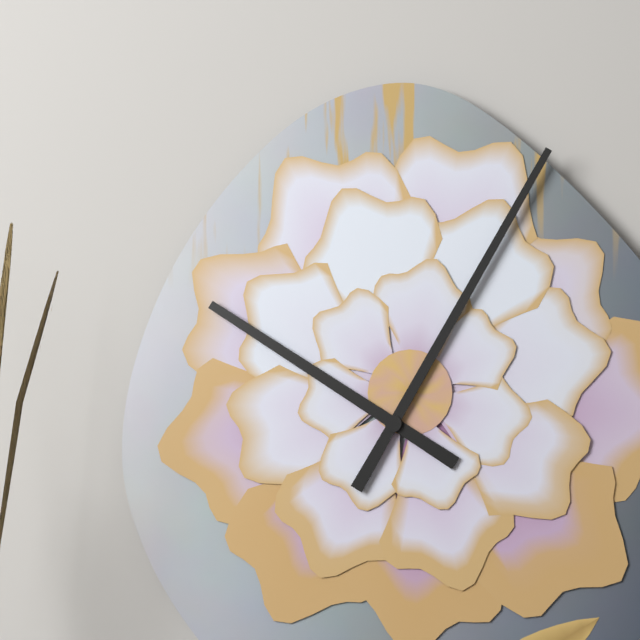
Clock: 10:05
